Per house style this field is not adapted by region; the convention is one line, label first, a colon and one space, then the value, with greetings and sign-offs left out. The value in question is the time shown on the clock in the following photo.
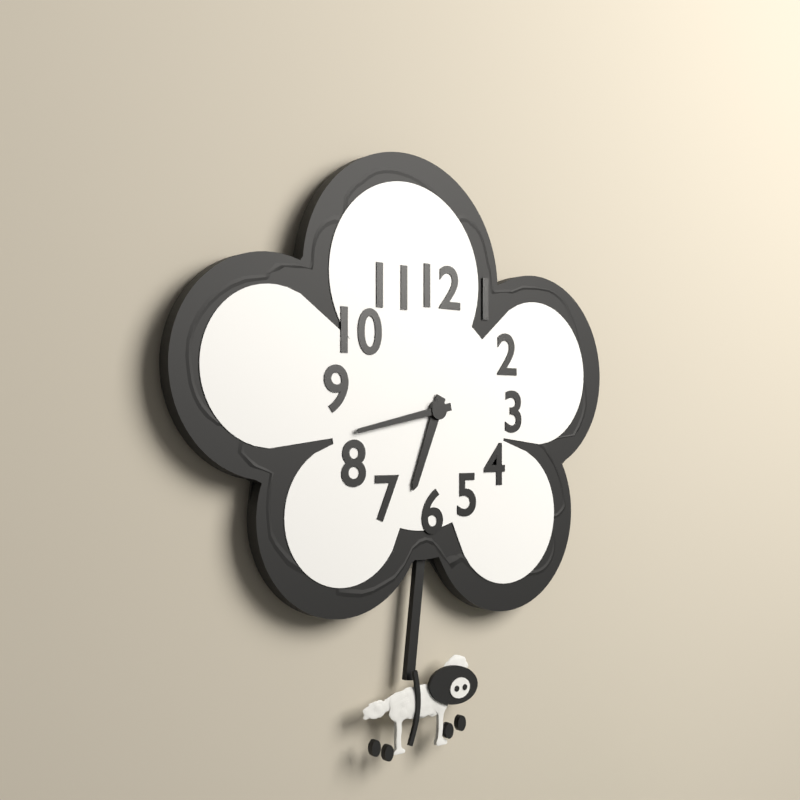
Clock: 6:43
